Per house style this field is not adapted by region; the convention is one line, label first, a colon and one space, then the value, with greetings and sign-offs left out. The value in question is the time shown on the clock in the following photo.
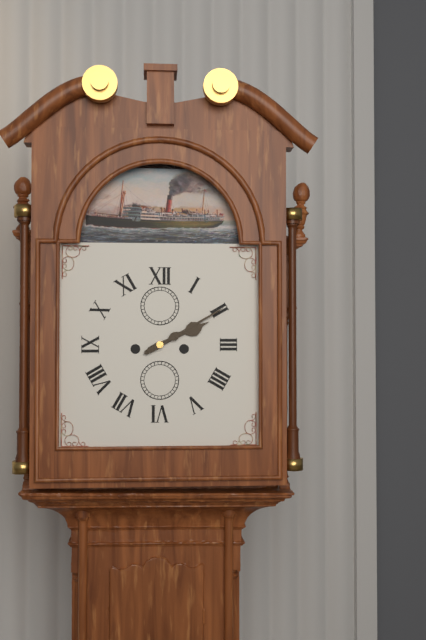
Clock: 2:10
